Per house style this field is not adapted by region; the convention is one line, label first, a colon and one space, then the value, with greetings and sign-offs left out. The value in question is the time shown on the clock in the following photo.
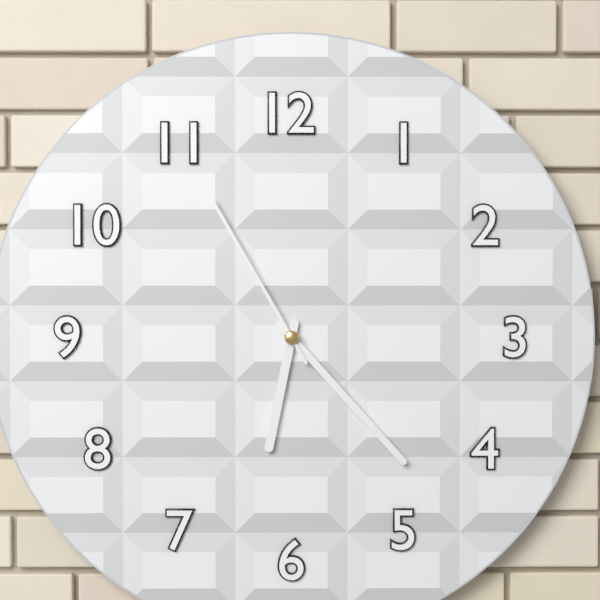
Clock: 6:23:55
